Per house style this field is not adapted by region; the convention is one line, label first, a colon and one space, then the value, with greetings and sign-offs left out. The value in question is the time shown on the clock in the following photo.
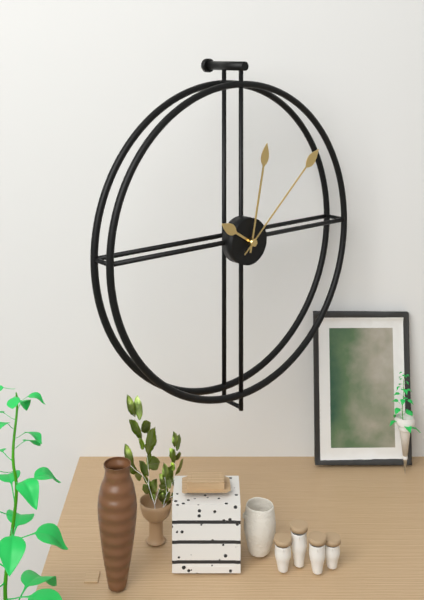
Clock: 10:02:08
